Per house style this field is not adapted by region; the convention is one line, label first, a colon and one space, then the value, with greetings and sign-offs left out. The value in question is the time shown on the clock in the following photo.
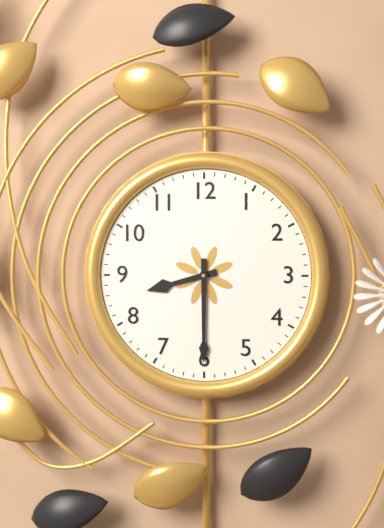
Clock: 8:30
